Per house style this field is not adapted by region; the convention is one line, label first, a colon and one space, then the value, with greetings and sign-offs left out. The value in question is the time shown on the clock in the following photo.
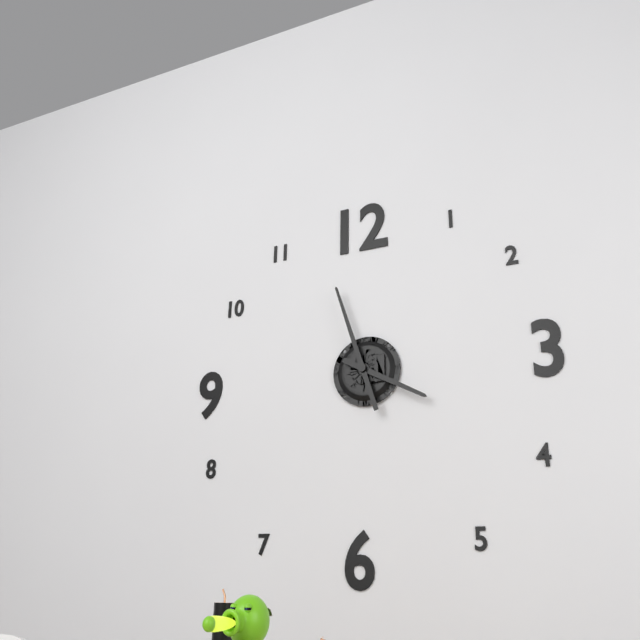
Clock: 3:57
